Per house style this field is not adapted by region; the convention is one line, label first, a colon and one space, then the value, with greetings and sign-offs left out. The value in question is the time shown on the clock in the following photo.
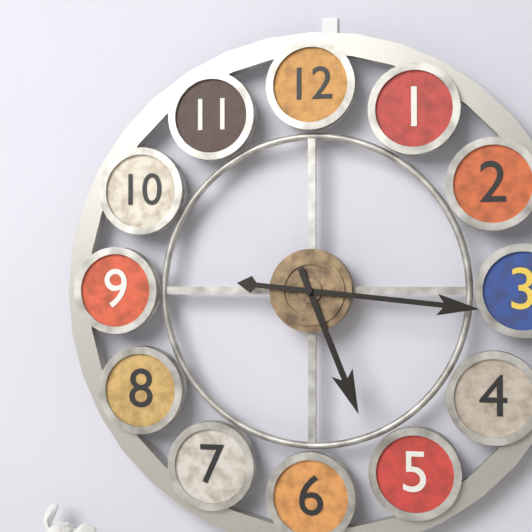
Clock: 5:16
